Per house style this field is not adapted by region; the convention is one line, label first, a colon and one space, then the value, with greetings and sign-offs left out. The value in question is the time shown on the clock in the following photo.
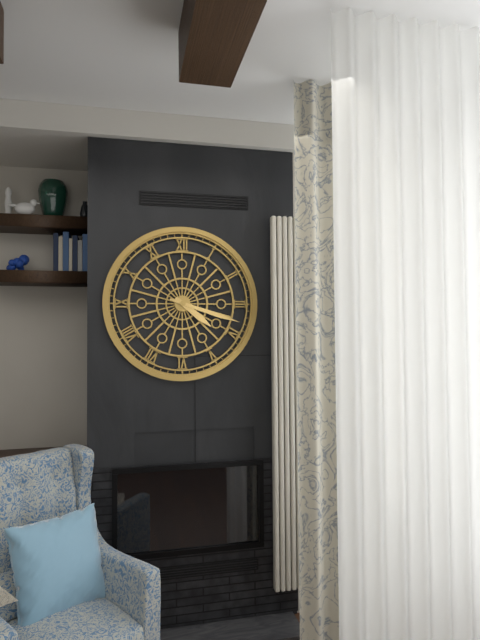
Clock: 4:18
